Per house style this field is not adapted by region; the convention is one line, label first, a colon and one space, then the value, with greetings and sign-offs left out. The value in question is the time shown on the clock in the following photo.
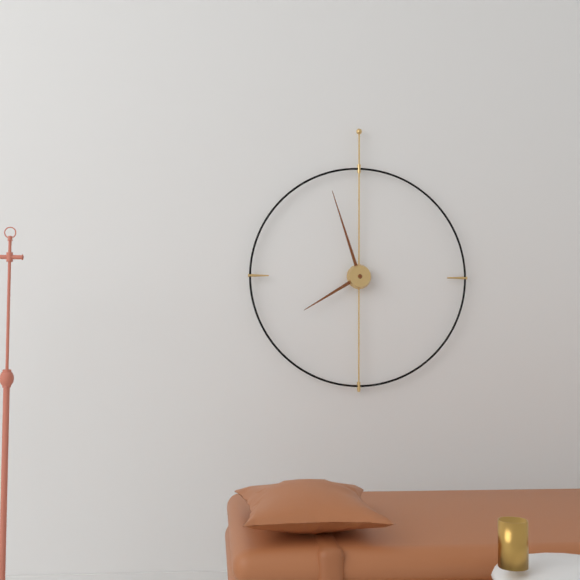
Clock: 7:57
